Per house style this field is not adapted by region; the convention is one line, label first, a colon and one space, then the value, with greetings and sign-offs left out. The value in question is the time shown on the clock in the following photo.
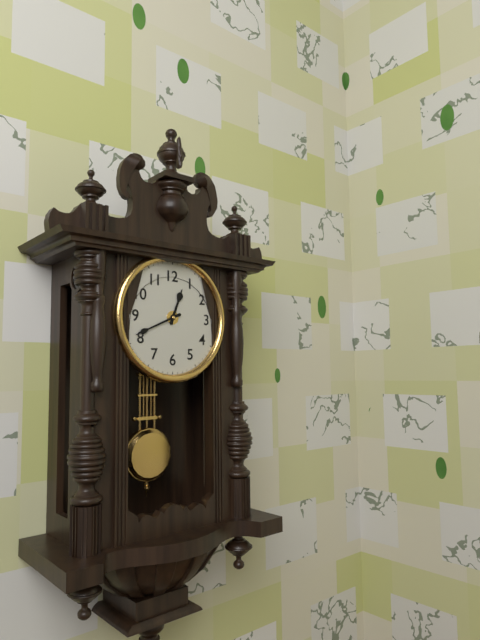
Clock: 12:41
